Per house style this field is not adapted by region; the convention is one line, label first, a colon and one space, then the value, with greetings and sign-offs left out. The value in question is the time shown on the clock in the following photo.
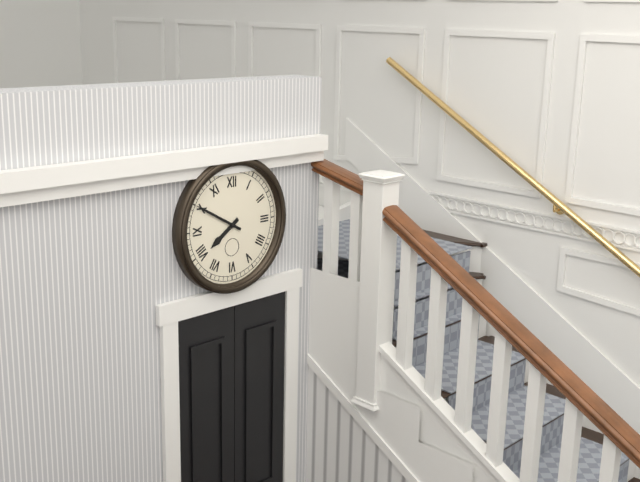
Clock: 7:50
